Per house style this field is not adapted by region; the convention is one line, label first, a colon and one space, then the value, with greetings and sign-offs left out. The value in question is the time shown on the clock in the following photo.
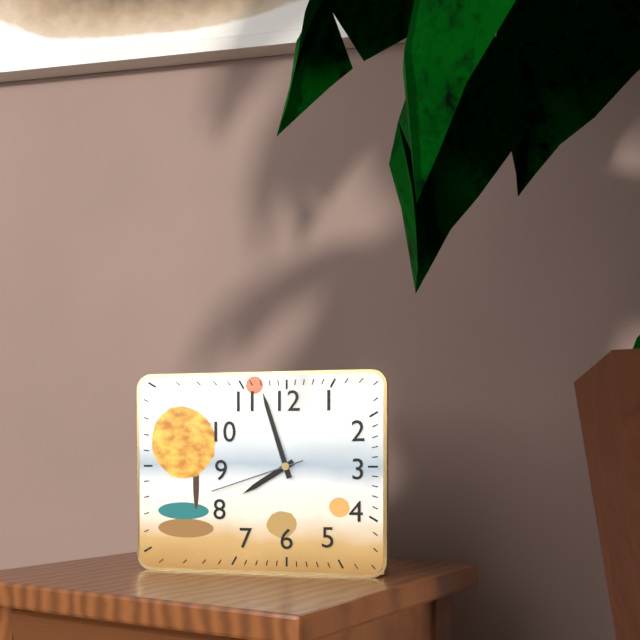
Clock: 7:57:42
